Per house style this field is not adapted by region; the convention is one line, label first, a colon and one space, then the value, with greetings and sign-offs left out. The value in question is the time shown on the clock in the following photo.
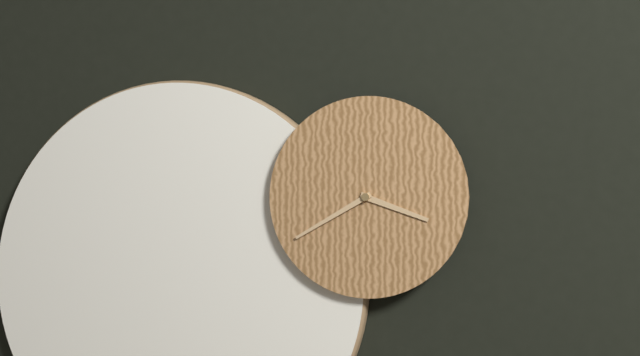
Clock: 3:40
